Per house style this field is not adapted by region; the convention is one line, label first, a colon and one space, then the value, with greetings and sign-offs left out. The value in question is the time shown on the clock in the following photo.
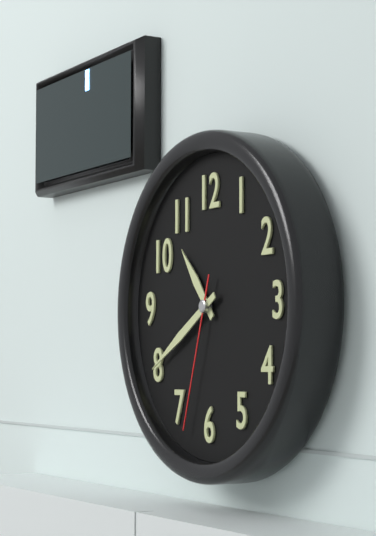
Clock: 10:40:33
